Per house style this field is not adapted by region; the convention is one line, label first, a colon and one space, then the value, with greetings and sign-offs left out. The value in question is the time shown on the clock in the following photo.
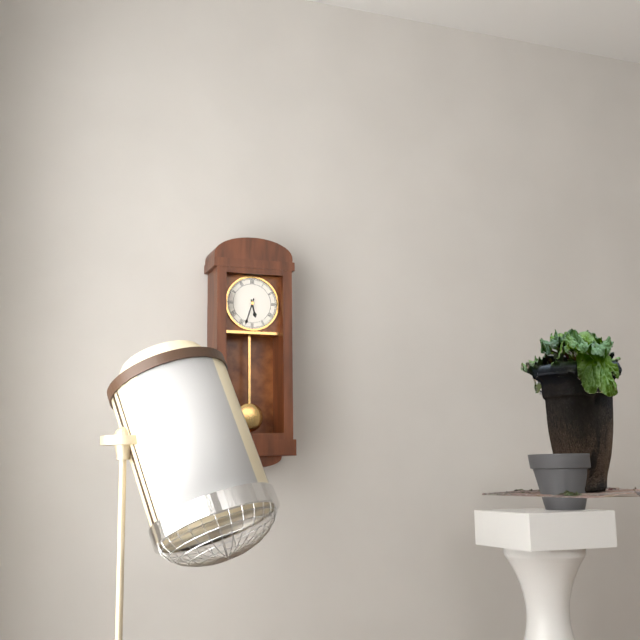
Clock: 5:33
